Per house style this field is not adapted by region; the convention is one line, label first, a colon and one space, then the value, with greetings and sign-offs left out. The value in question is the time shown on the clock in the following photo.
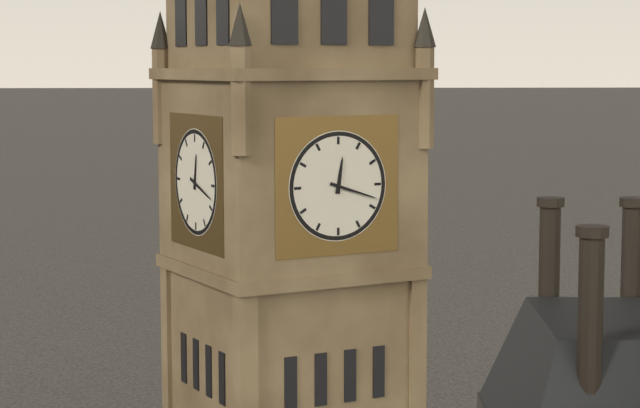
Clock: 12:18
